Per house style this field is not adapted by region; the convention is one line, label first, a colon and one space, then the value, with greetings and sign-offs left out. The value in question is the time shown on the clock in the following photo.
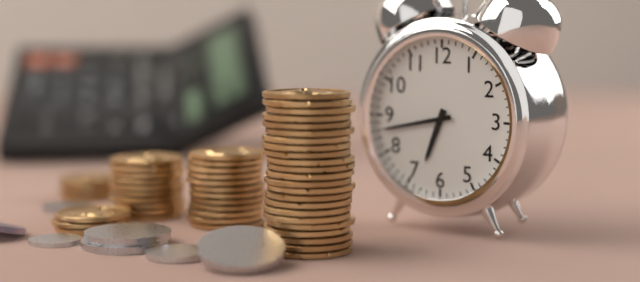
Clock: 6:43
